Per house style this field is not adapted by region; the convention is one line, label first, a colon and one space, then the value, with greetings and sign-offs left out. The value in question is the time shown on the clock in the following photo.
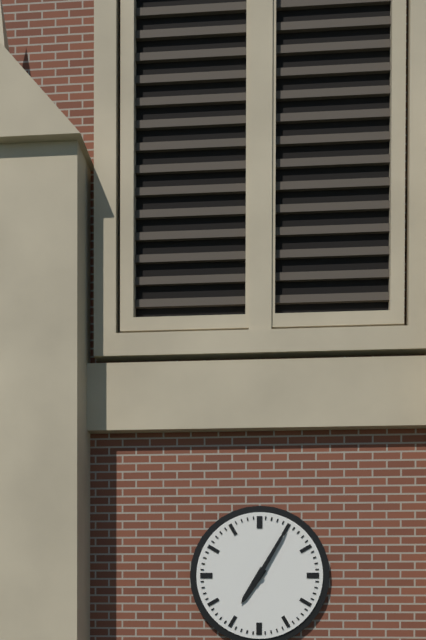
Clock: 7:05
